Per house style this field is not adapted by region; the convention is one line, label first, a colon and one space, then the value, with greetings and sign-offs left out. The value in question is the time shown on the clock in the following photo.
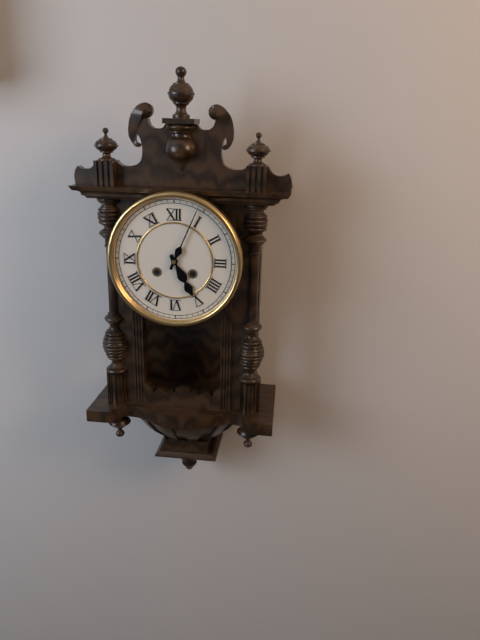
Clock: 5:04
